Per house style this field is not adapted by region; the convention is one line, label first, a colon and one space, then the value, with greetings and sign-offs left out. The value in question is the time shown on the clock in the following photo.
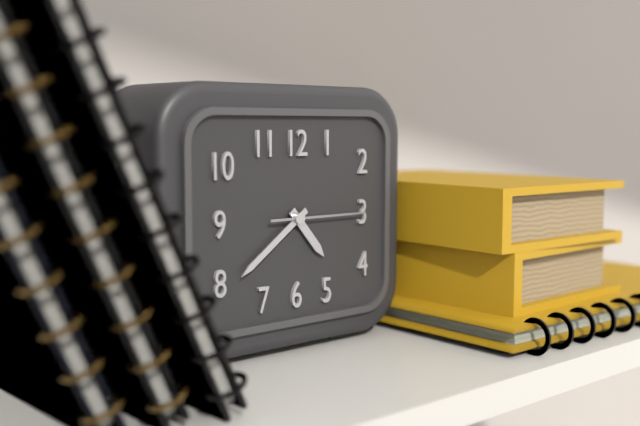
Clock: 4:39:15
